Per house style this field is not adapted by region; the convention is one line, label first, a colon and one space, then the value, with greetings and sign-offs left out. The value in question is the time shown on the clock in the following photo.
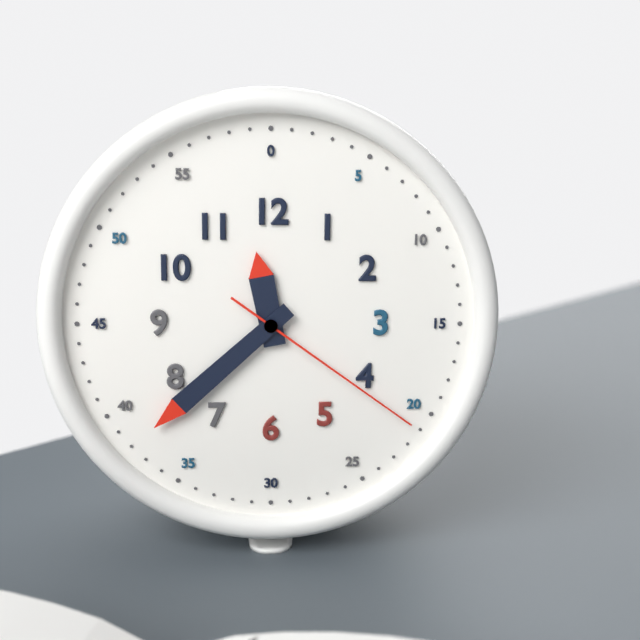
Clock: 11:38:21
